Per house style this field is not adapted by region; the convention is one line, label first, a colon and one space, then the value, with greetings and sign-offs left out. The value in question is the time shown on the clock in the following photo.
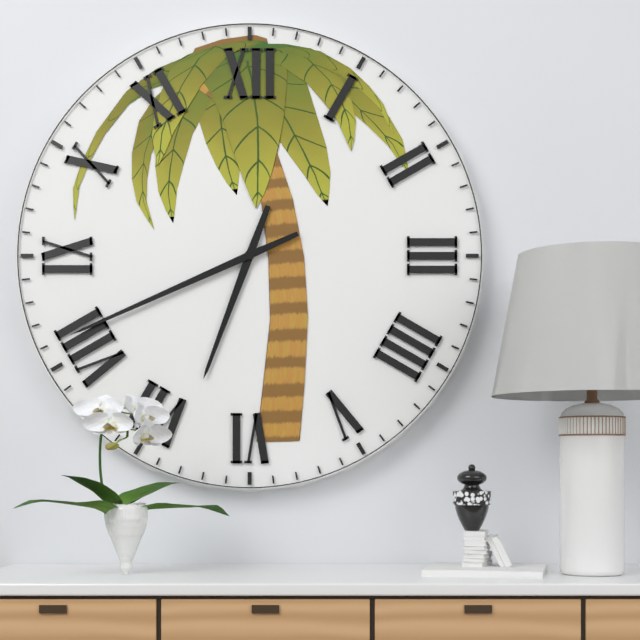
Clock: 6:41
